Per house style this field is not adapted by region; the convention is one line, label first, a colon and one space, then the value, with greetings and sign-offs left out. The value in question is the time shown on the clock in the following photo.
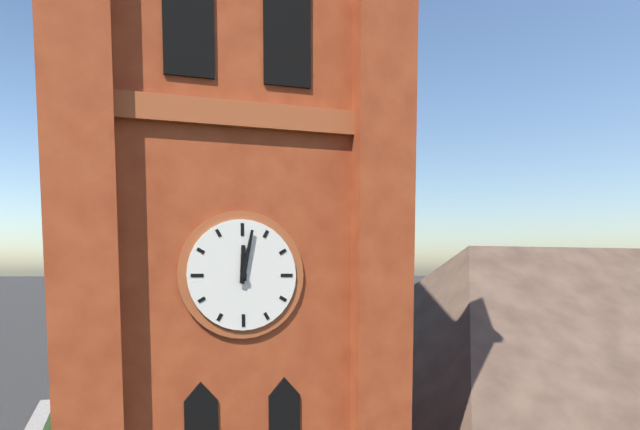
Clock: 12:02
